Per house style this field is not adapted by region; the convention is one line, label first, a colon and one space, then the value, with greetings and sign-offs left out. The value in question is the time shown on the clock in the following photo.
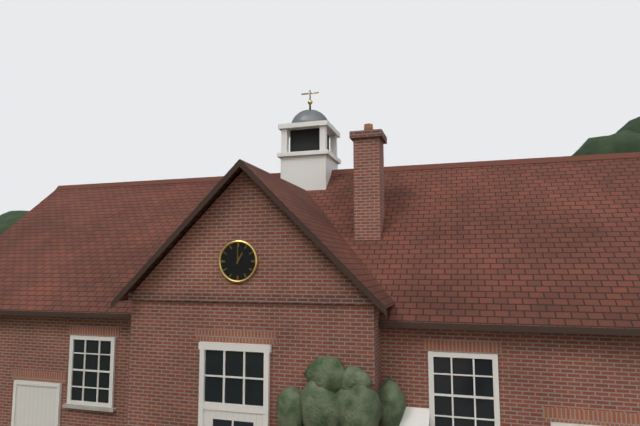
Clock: 1:00
